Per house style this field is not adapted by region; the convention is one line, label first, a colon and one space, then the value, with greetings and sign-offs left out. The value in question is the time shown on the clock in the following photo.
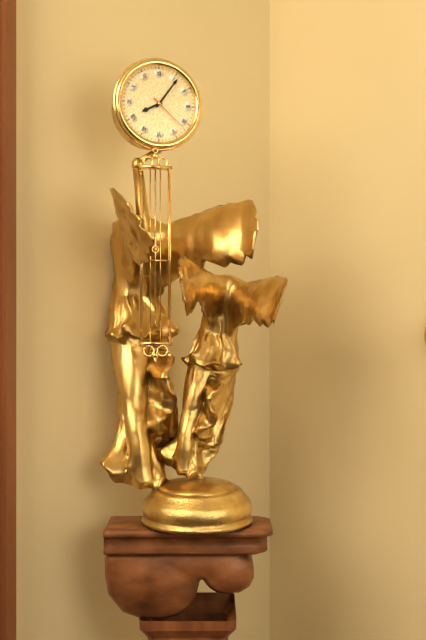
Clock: 8:06
